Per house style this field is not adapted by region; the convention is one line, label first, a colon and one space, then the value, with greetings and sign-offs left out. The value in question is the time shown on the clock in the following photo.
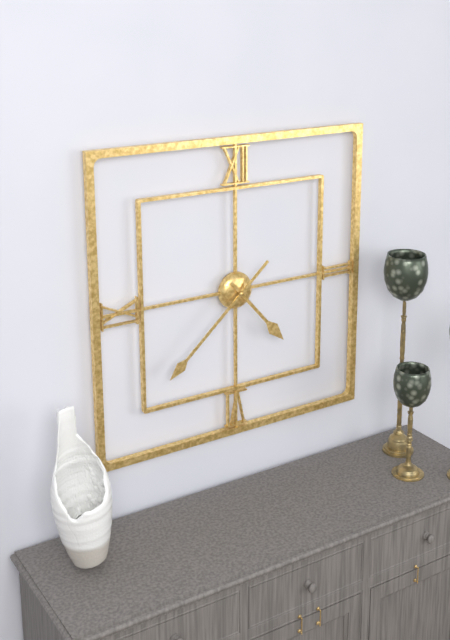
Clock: 4:38
